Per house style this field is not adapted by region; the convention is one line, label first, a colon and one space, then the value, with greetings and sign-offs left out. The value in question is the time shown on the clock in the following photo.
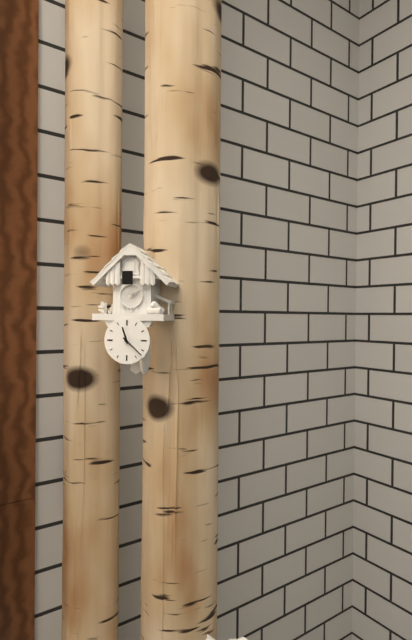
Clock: 11:22
